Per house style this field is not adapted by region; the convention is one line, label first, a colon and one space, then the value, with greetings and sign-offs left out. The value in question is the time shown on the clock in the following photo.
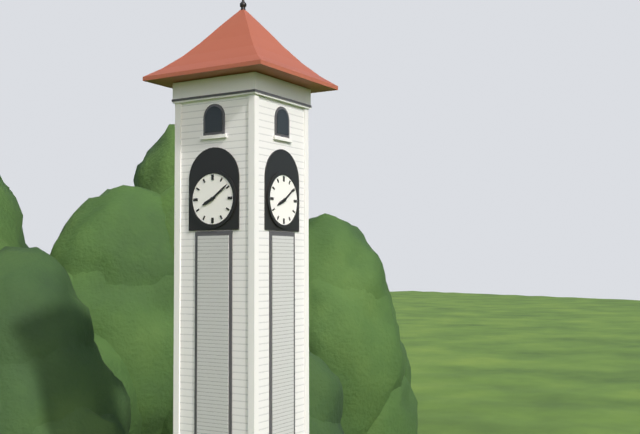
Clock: 8:09
